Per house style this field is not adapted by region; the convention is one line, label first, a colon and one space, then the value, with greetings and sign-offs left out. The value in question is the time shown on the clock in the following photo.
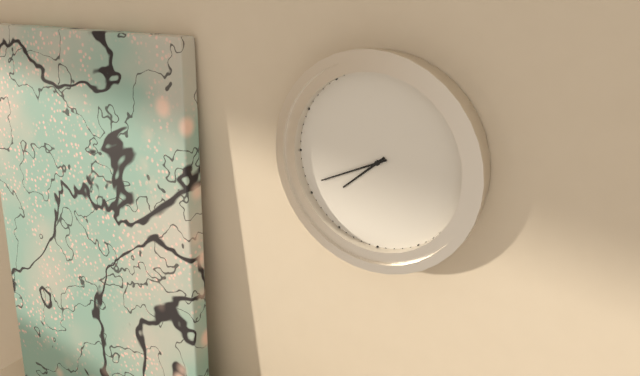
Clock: 7:41
